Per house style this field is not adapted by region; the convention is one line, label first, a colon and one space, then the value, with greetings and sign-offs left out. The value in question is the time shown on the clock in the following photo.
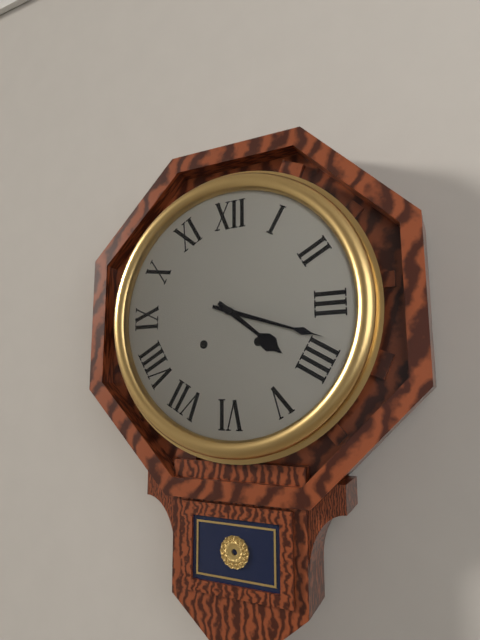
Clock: 4:18
